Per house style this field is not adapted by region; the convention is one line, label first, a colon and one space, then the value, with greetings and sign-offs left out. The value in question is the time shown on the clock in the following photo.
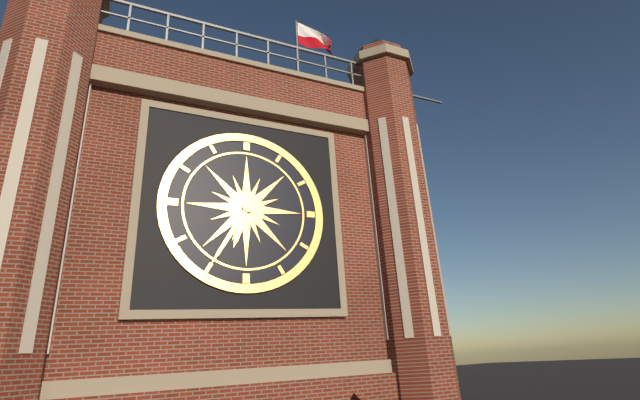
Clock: 6:35
